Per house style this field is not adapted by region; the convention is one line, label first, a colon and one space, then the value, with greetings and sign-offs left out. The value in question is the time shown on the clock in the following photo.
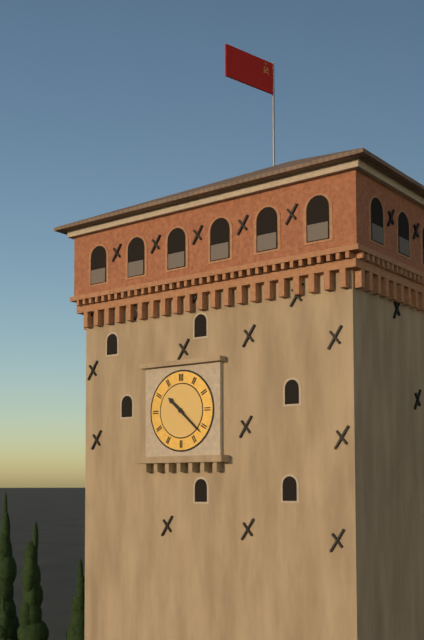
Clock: 10:22
